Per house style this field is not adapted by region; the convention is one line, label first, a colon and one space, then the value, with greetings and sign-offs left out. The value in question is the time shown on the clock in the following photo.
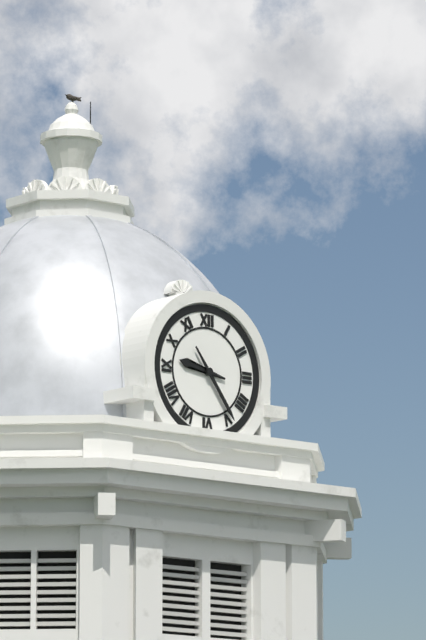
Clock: 9:24
